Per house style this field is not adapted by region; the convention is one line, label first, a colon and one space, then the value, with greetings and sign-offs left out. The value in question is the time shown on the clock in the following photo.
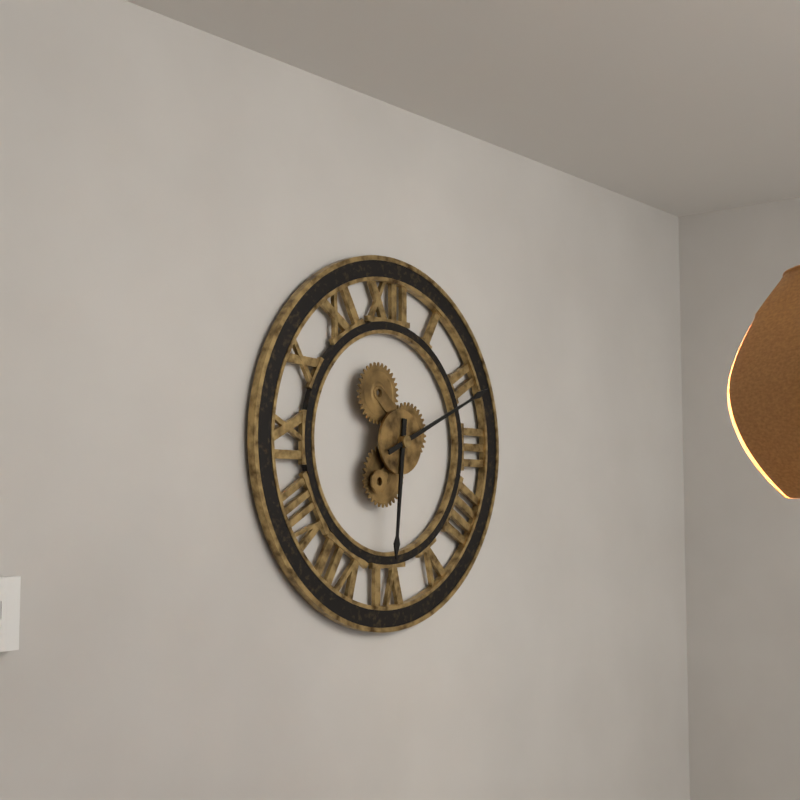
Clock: 6:11
